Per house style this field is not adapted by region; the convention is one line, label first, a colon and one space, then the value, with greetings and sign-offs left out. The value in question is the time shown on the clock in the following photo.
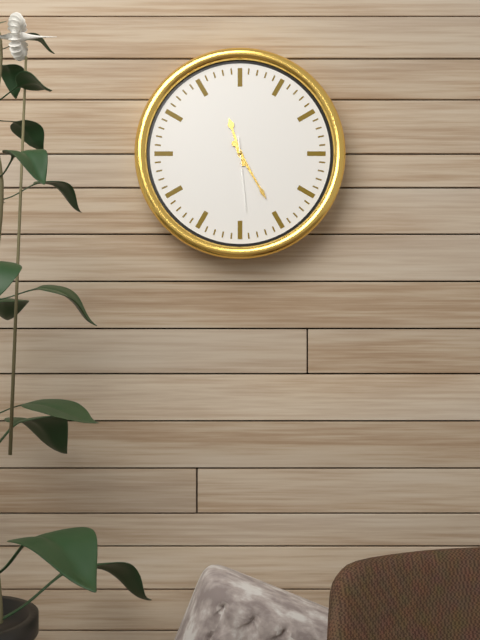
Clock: 11:25:29
